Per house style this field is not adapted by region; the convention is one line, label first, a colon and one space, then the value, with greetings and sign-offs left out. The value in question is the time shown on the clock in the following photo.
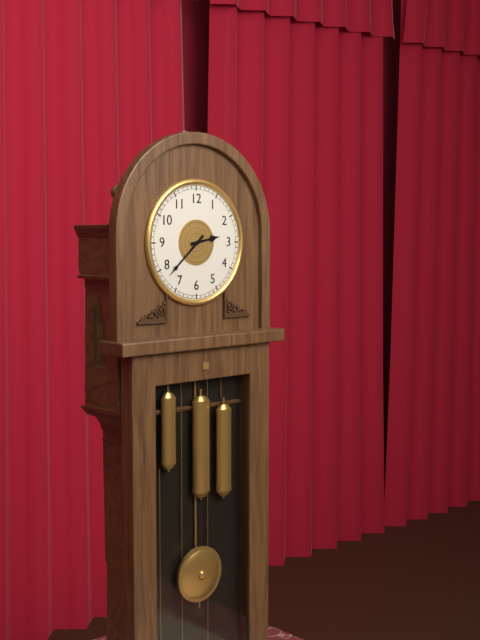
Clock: 2:38
